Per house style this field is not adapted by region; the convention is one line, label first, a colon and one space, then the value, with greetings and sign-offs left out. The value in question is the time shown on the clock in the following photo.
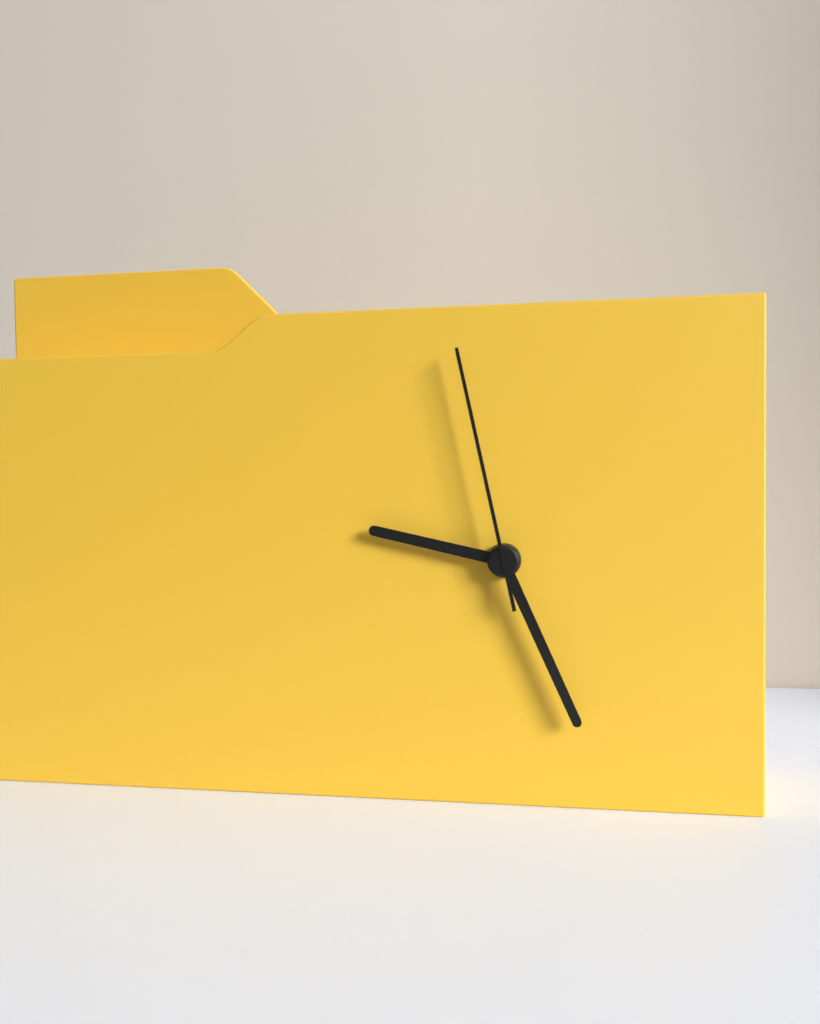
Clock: 9:26:58
